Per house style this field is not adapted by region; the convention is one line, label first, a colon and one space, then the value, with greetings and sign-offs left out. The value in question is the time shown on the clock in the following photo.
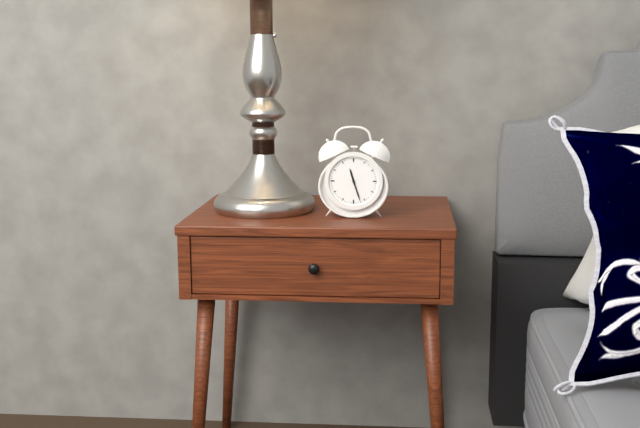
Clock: 11:27
